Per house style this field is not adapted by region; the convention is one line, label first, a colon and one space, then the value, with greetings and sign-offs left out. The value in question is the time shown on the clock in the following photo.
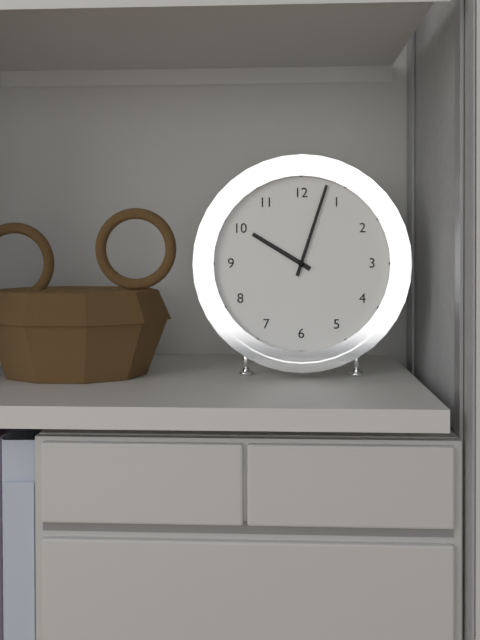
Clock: 10:03
